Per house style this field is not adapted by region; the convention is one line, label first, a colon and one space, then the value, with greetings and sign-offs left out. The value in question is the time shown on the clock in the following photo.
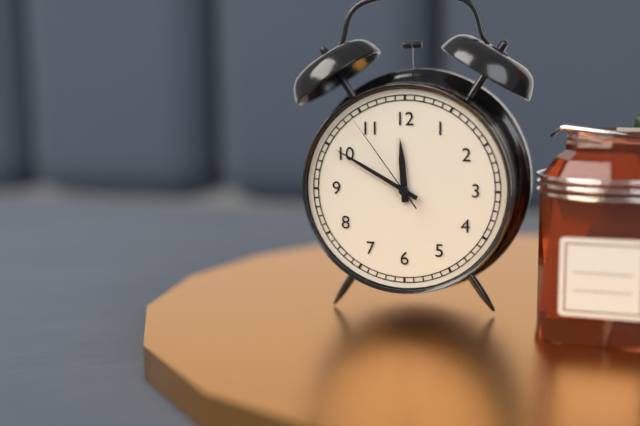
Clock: 11:50:54
